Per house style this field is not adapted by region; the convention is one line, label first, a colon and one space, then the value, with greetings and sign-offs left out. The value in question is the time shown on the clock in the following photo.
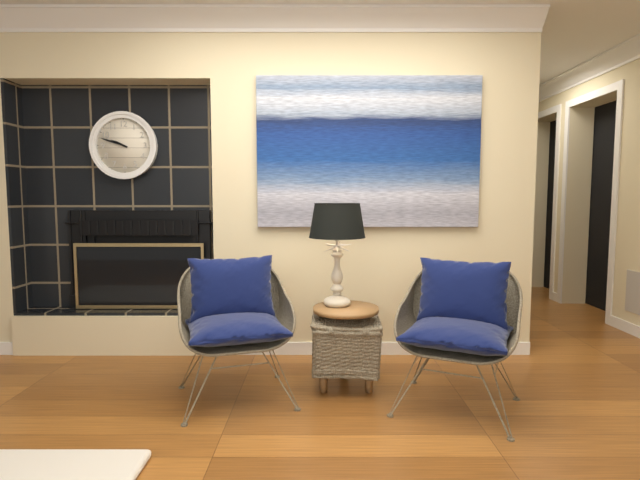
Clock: 9:48
